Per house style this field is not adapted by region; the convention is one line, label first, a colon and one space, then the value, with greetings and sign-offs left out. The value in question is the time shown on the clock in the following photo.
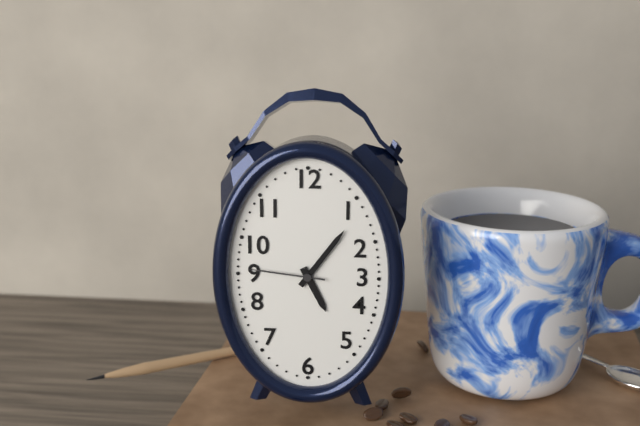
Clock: 5:06:46
